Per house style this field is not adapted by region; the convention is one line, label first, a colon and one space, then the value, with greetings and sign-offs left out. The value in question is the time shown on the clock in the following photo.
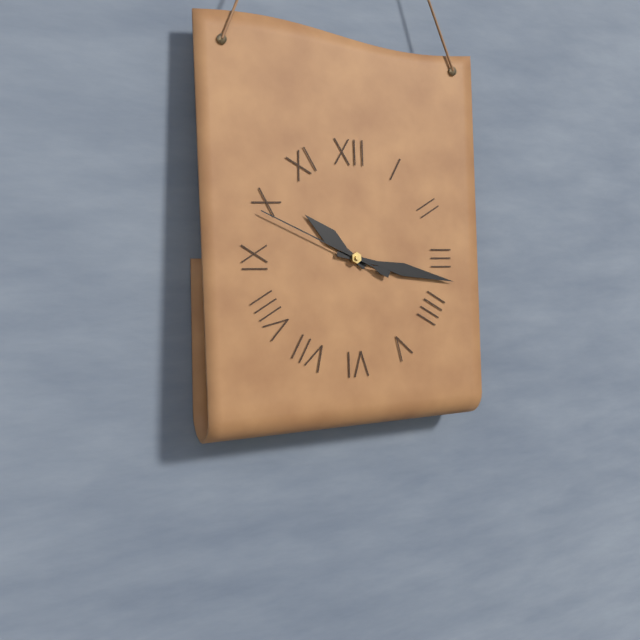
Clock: 10:17:49
